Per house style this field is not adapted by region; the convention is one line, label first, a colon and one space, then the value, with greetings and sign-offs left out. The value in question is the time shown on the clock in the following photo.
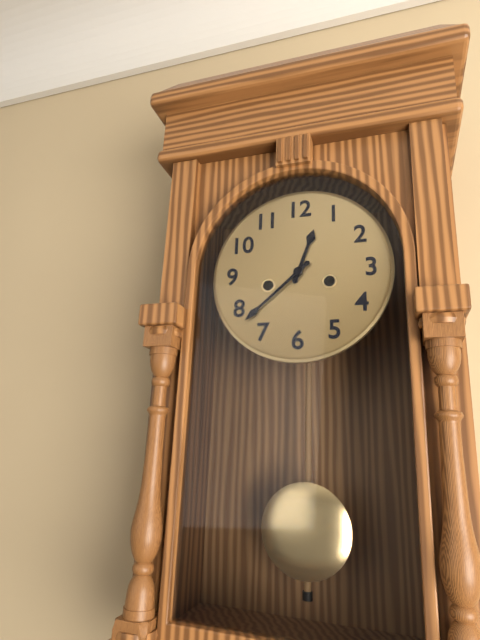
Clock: 12:38
